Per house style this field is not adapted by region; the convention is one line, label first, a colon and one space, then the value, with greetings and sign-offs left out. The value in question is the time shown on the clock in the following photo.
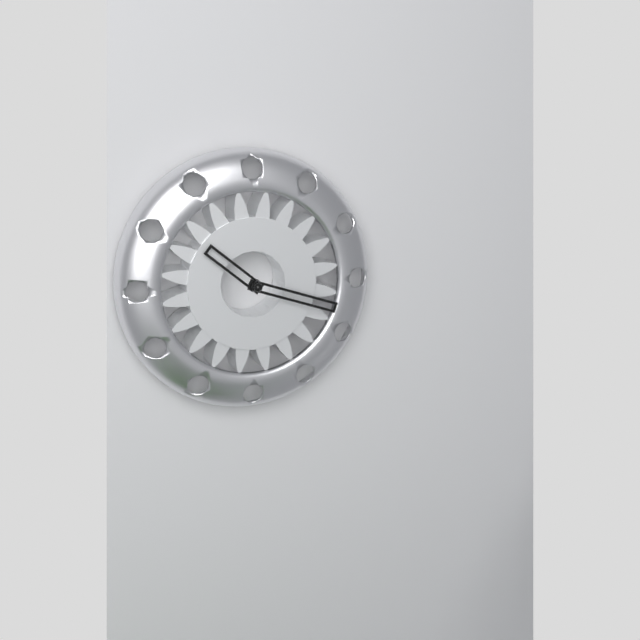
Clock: 10:18
